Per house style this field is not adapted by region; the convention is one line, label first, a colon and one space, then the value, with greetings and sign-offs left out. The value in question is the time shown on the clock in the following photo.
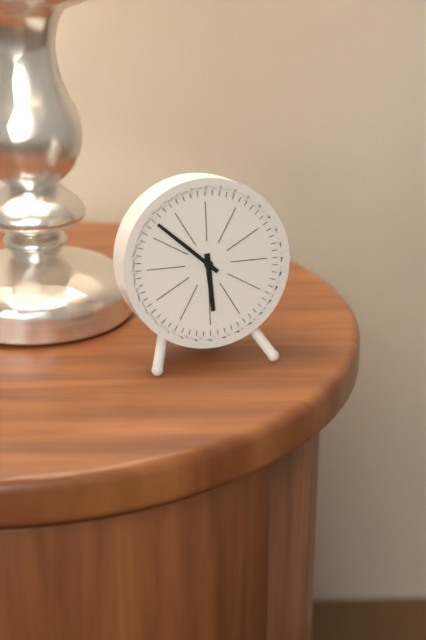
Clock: 5:52
